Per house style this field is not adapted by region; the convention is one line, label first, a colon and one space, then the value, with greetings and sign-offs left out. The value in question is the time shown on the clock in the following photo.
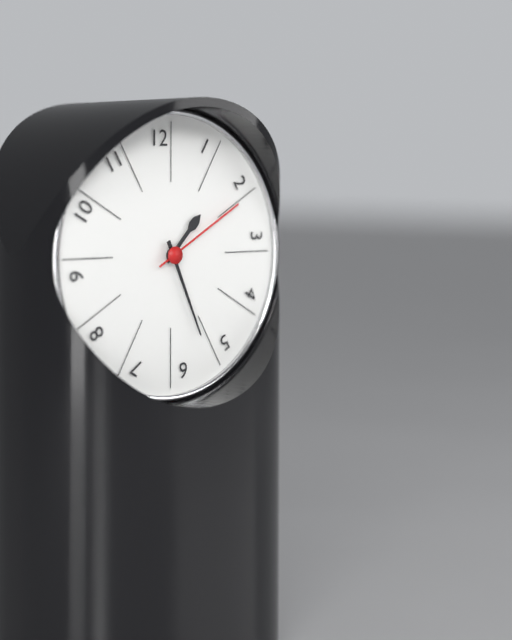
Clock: 1:26:10
